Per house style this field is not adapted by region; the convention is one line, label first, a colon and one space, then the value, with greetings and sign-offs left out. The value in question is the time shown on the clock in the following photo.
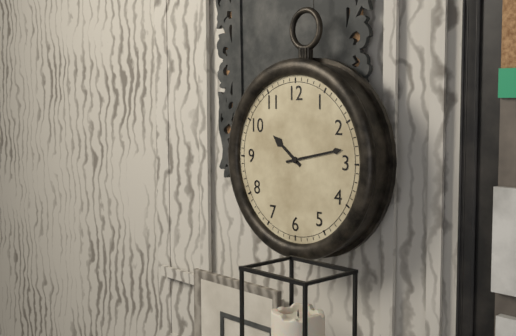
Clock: 10:13
